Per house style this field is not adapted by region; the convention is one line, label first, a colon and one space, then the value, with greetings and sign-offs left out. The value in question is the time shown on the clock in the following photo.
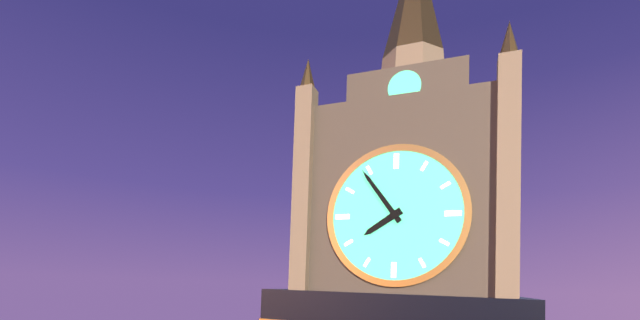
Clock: 7:54
